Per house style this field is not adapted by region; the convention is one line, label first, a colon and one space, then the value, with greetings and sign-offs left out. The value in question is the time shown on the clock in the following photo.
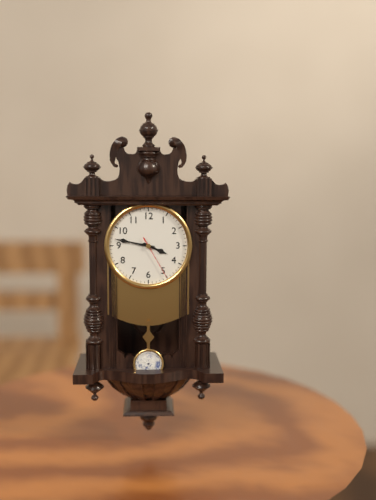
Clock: 3:47
